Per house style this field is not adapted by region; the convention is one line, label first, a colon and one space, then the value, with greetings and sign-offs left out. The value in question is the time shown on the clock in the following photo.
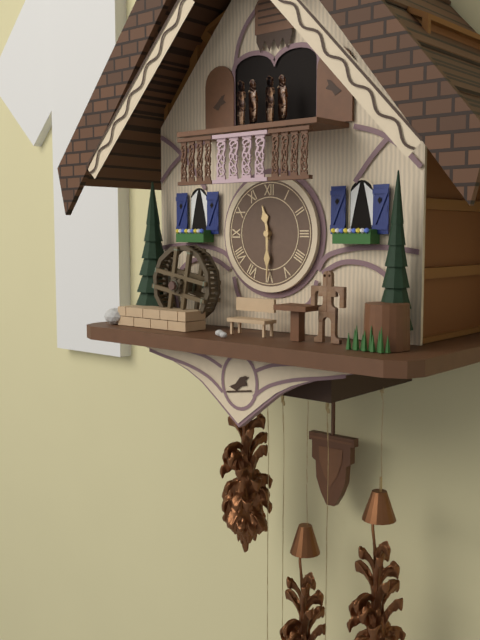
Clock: 11:30
